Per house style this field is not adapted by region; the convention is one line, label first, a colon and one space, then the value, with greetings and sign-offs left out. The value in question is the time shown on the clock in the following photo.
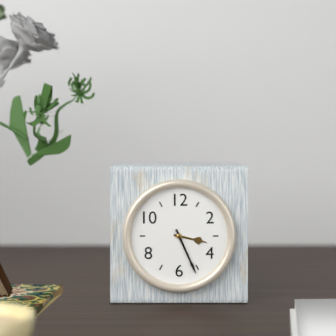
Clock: 3:26
